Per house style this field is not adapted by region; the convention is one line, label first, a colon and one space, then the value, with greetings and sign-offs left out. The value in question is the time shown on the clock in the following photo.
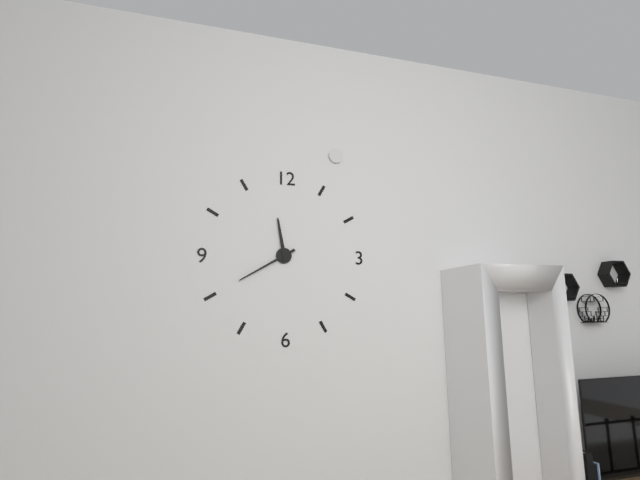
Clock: 11:40
